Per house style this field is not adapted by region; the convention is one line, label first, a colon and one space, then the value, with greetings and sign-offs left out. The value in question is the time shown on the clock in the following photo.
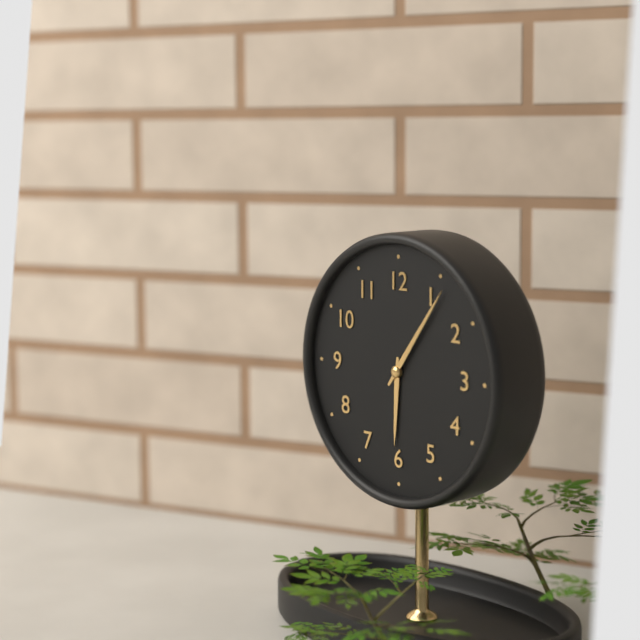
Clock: 6:06
